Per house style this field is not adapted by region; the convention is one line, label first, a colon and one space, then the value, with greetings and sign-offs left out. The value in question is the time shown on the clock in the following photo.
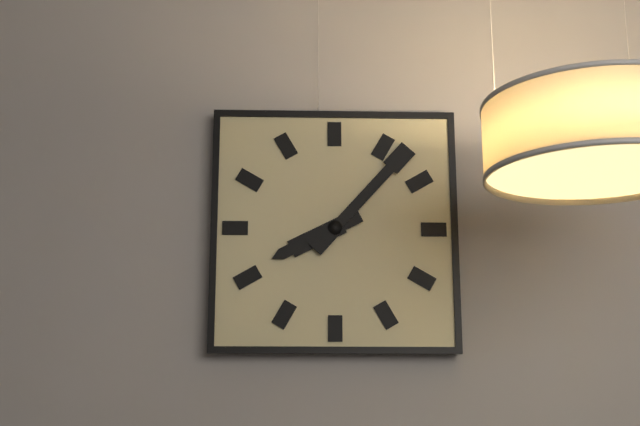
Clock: 8:07
